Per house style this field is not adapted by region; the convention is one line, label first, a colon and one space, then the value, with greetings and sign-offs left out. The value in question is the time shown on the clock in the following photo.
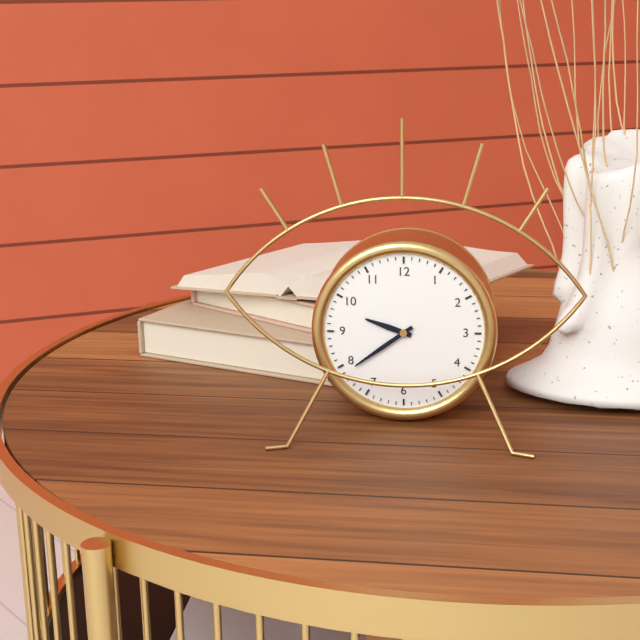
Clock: 9:39
